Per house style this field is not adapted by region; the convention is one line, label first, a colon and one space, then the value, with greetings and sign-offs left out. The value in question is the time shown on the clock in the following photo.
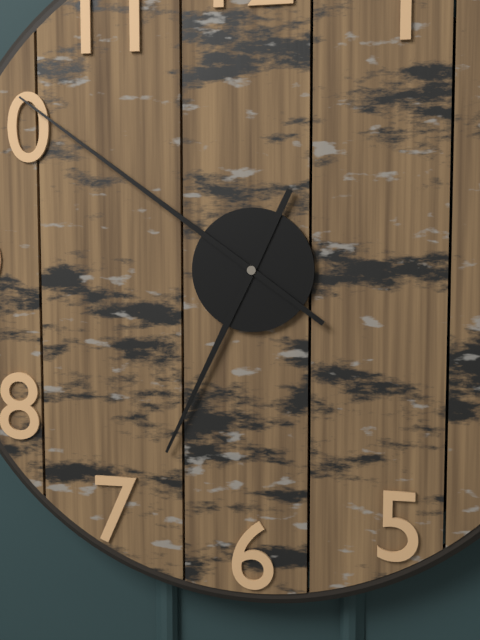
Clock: 6:51
